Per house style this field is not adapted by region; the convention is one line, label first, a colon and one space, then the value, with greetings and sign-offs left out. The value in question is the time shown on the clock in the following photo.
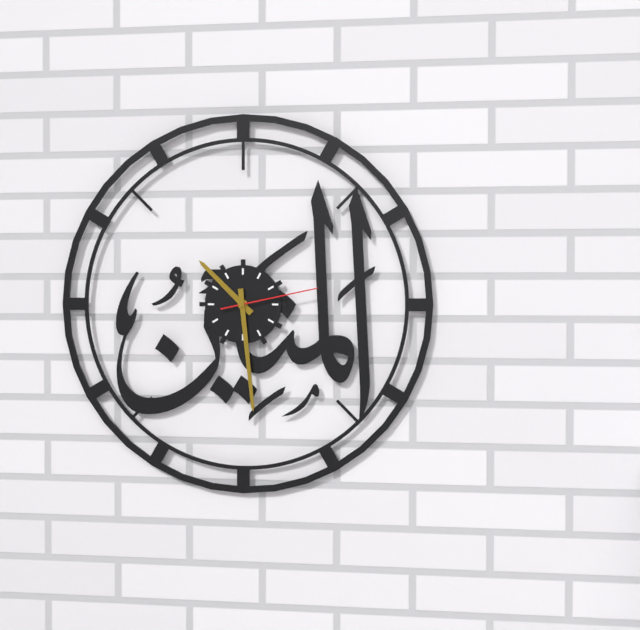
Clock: 10:29:13
